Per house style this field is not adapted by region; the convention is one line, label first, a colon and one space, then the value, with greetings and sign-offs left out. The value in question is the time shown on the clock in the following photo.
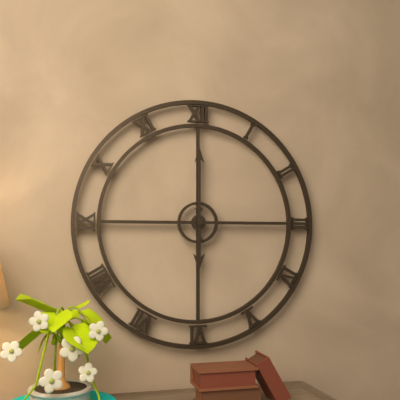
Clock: 6:00
